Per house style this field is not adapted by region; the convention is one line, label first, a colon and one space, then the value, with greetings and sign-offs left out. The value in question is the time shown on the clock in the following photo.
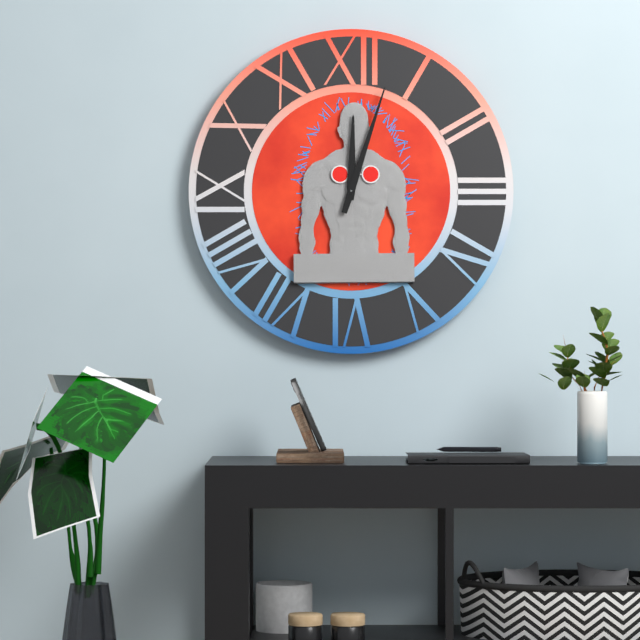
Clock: 12:03
